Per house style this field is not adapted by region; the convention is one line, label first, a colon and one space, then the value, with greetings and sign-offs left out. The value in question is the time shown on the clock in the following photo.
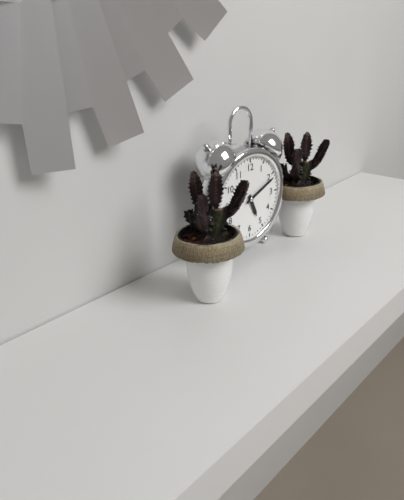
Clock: 5:11
